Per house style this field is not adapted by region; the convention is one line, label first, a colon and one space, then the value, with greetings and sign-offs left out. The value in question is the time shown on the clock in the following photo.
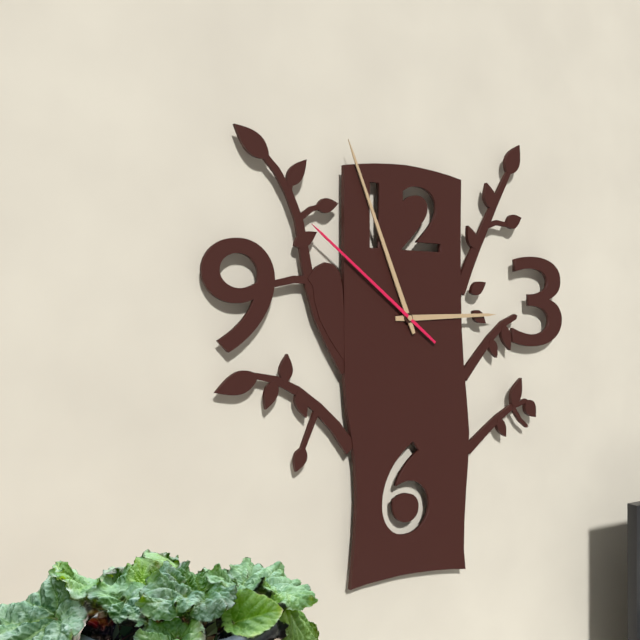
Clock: 2:56:51
